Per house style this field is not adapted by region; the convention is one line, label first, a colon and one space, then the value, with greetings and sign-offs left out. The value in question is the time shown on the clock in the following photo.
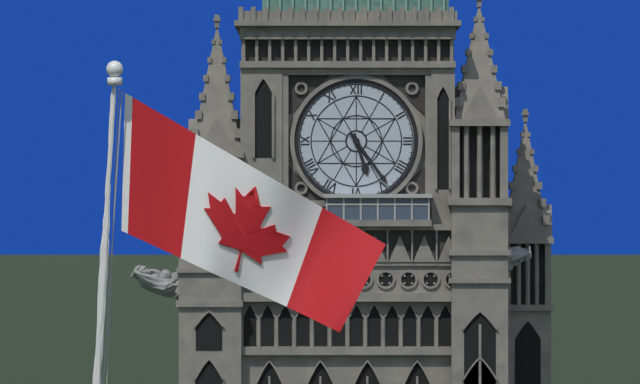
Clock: 5:24
